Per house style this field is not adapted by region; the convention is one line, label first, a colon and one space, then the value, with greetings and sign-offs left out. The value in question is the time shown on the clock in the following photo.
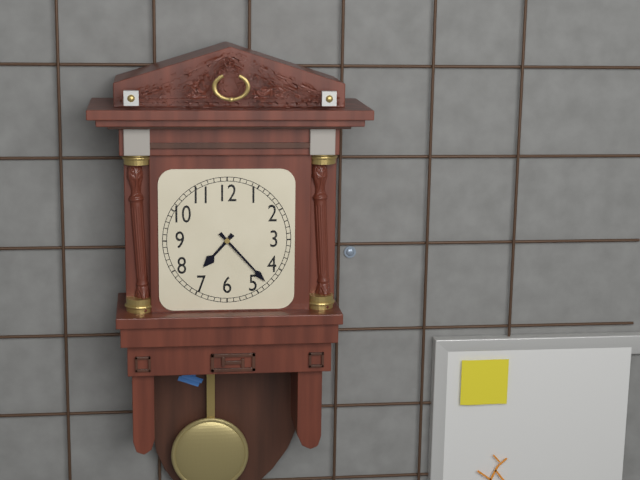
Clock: 7:23
